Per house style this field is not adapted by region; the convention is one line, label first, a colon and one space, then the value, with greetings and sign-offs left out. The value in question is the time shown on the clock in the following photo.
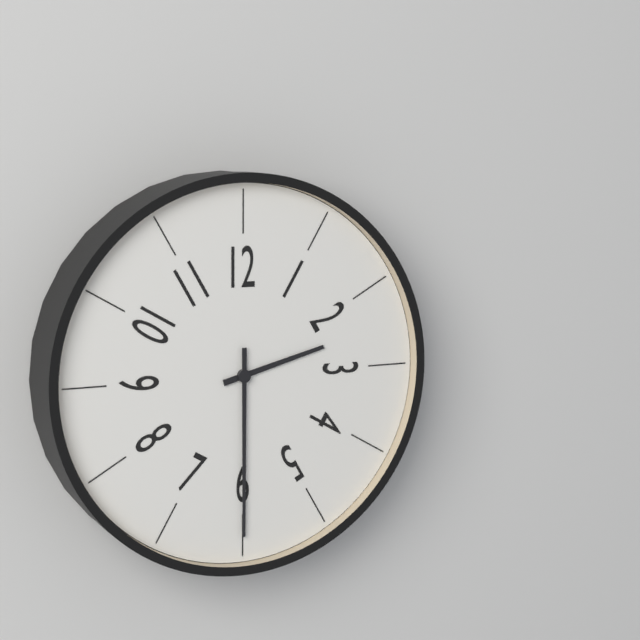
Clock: 2:30
